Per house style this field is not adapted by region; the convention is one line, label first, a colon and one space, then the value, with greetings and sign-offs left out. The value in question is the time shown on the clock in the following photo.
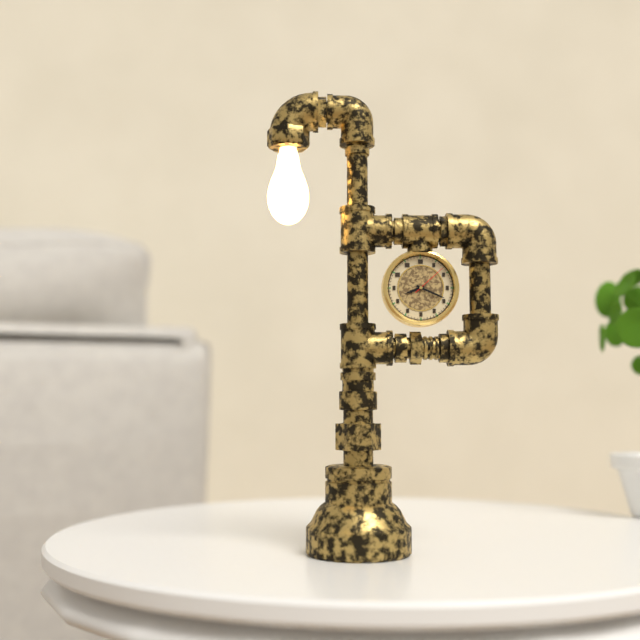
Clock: 8:19
